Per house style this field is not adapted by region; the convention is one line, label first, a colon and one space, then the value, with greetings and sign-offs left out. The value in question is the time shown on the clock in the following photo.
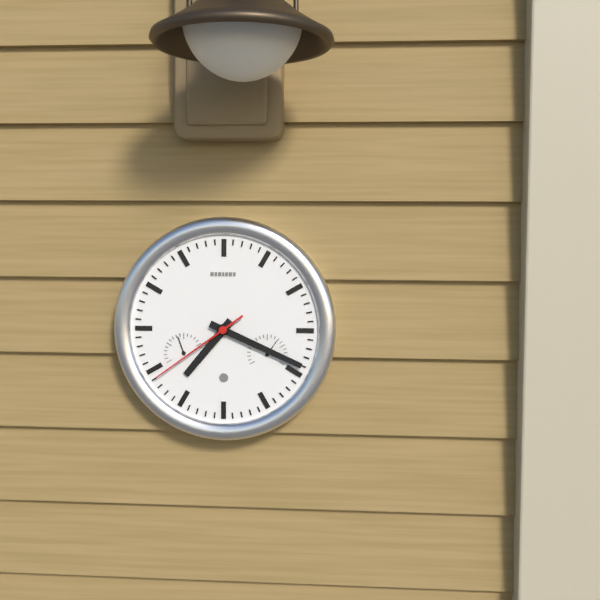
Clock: 7:19:39
